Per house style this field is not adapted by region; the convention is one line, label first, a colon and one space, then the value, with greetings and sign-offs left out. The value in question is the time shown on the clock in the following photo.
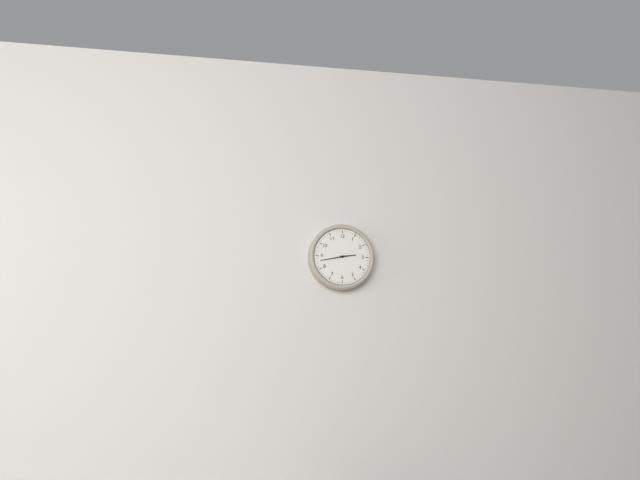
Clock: 2:43
